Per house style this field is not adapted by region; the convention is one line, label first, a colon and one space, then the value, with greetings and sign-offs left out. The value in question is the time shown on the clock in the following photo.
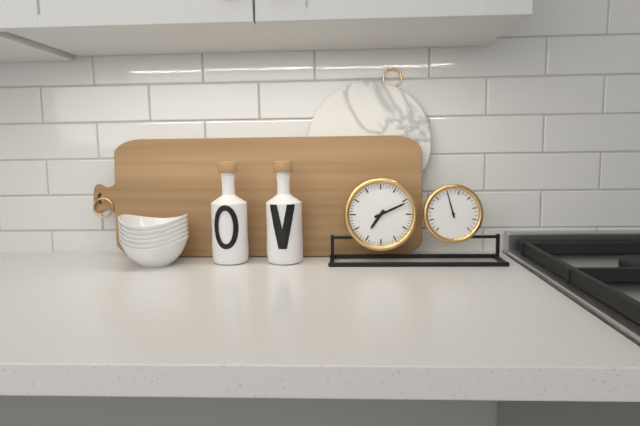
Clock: 7:11
